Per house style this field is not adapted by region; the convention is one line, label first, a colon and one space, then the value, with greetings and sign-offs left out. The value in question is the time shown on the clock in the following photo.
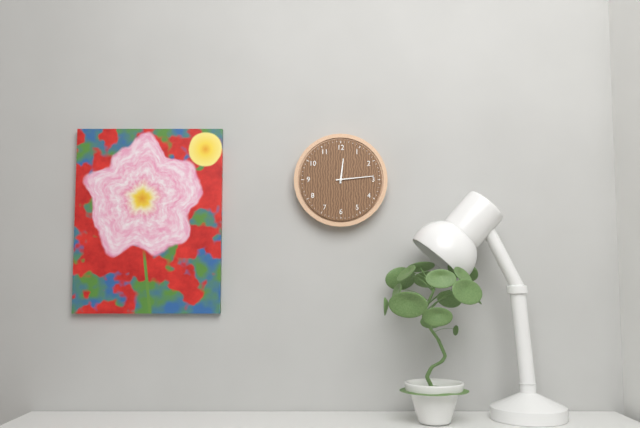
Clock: 12:14
